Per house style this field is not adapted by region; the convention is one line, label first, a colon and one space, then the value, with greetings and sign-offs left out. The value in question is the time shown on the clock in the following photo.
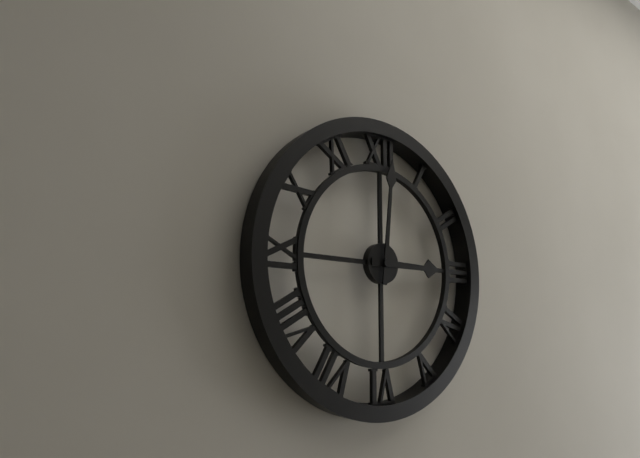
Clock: 3:01
